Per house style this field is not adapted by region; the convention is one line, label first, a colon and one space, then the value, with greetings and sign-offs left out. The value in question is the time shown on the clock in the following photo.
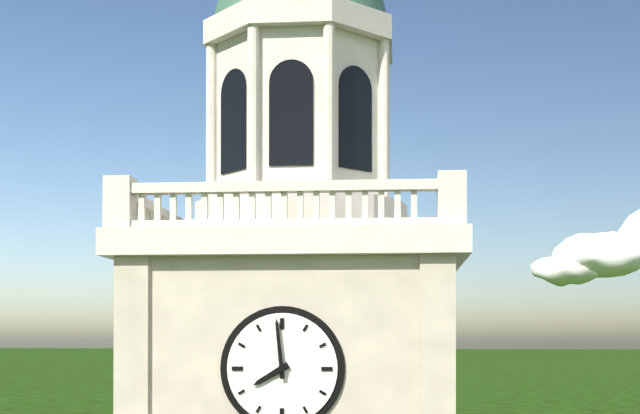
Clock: 7:59
